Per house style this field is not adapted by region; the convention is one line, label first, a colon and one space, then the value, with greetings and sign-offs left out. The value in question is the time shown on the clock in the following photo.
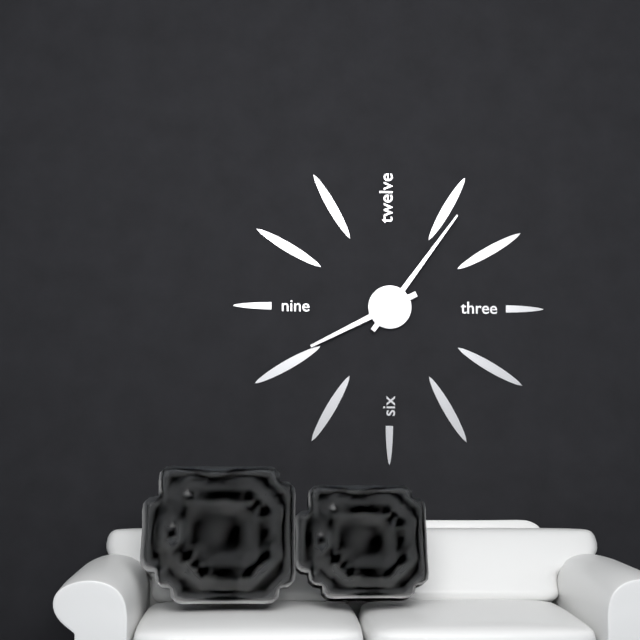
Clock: 8:06
